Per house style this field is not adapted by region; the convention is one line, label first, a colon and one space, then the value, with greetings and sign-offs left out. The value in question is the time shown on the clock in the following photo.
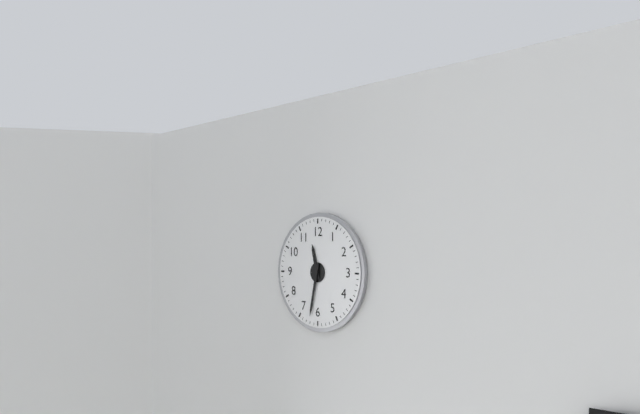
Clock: 11:32
